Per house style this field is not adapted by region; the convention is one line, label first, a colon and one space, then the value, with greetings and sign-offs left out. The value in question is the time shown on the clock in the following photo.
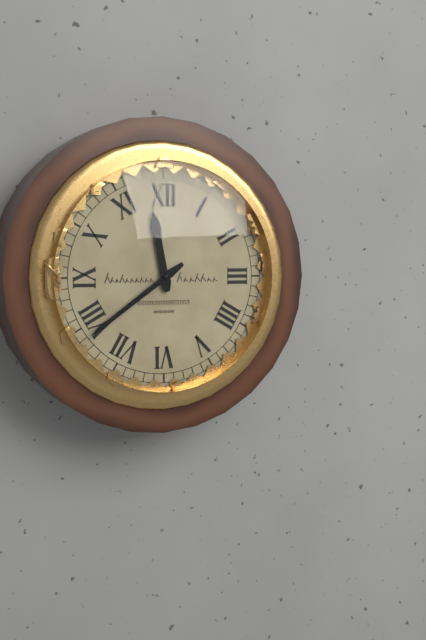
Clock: 11:39
